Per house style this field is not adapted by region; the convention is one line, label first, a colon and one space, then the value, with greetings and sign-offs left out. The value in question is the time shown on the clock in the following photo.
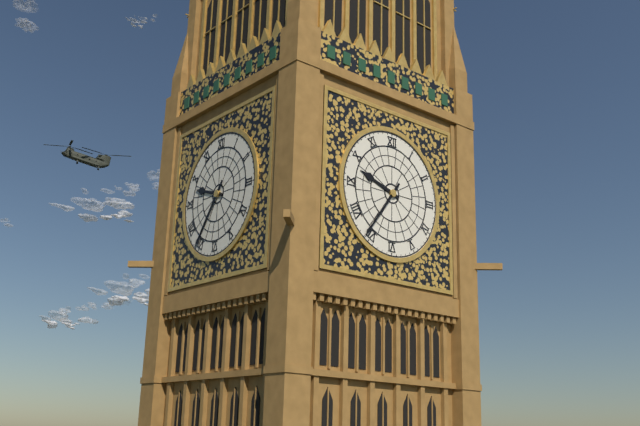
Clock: 9:36
